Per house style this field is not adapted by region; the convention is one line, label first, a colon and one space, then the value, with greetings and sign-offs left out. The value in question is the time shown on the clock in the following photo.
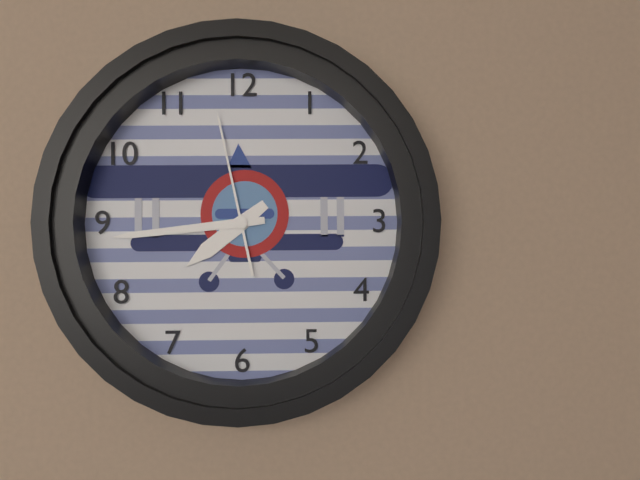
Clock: 7:44:58
